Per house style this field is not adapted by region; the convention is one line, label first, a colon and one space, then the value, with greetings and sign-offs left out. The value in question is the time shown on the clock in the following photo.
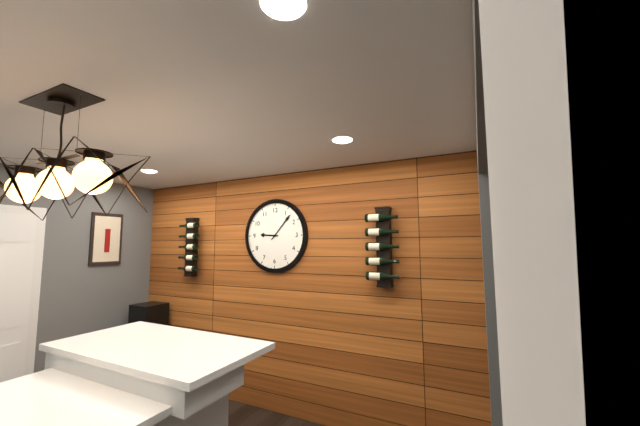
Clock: 9:07
